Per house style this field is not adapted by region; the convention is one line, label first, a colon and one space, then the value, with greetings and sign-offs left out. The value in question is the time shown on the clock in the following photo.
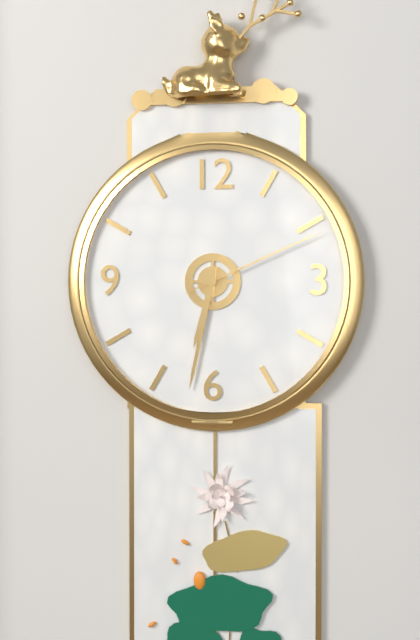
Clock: 6:32:11
